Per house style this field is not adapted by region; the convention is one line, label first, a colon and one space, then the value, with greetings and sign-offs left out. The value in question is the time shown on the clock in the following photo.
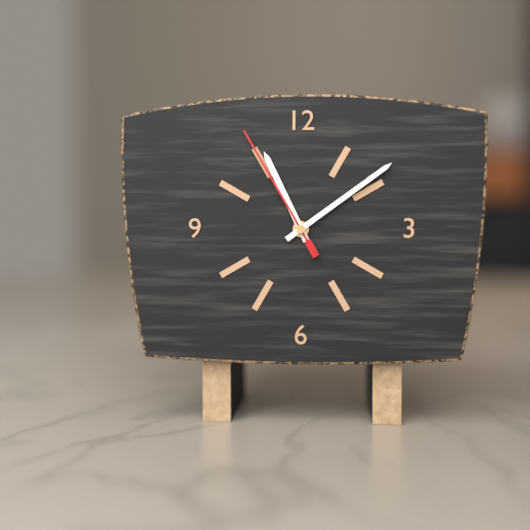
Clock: 11:09:55
